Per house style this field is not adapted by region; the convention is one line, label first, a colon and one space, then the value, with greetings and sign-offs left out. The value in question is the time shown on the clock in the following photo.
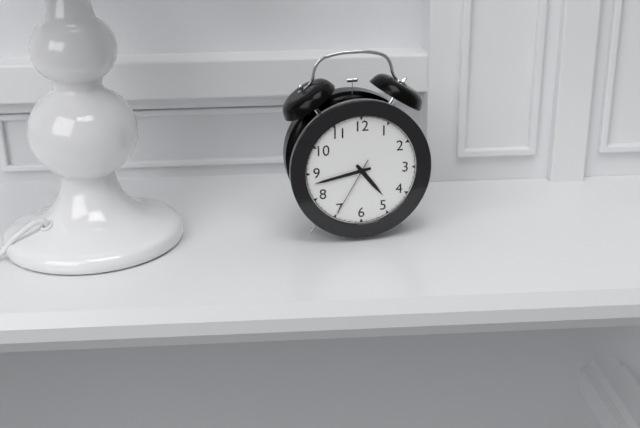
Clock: 4:43:35
